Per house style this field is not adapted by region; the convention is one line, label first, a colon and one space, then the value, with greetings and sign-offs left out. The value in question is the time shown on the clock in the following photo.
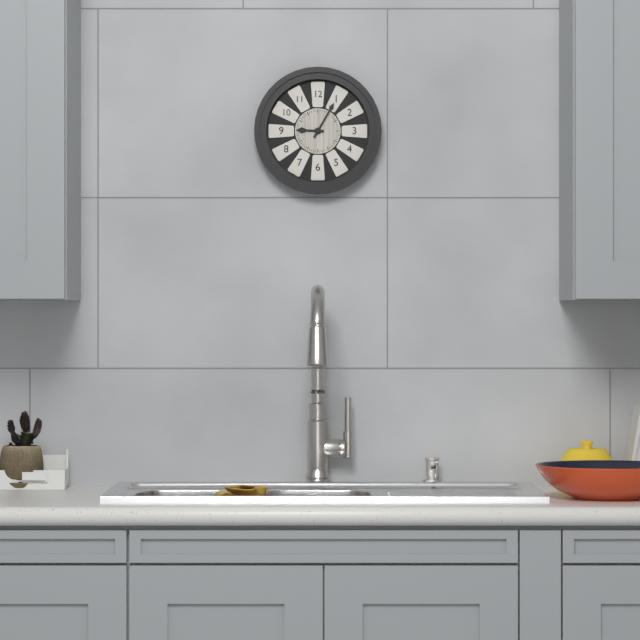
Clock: 9:05
